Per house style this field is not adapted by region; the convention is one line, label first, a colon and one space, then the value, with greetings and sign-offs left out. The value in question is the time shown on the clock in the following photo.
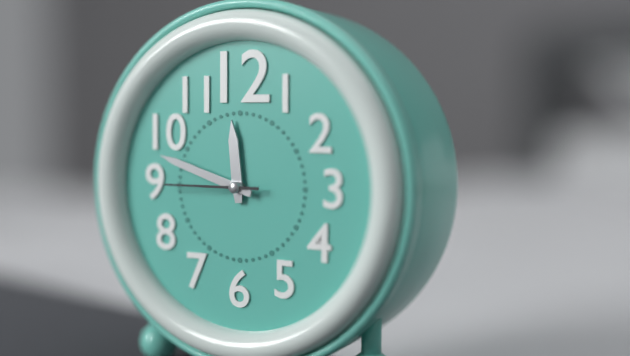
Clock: 11:48:45
